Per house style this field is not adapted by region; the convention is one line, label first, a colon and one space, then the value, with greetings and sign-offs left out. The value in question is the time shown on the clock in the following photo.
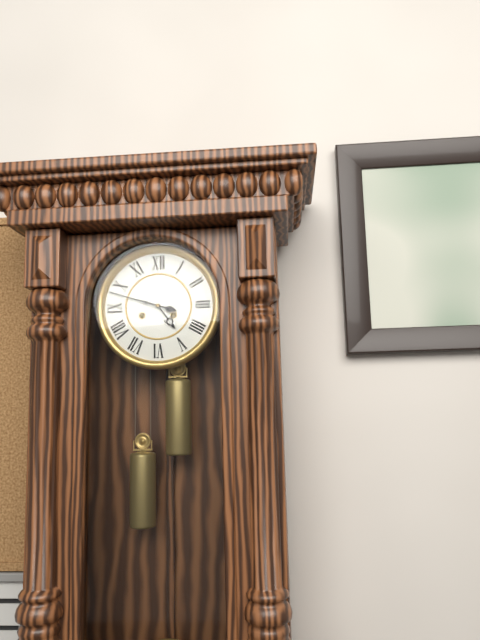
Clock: 4:48
